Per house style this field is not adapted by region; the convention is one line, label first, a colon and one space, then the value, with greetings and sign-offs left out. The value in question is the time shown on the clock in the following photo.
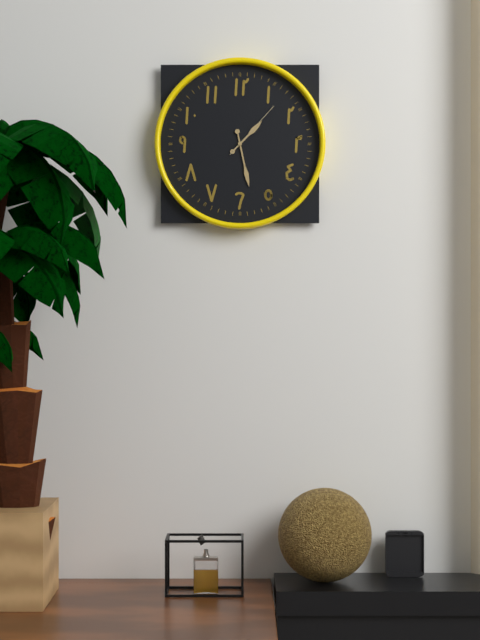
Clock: 1:28:07
